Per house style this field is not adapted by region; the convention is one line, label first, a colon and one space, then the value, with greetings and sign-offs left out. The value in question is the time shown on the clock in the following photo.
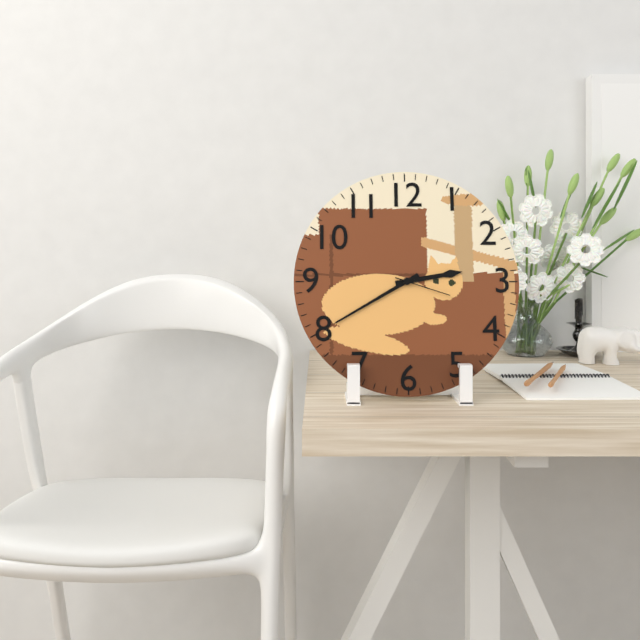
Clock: 2:40:18
